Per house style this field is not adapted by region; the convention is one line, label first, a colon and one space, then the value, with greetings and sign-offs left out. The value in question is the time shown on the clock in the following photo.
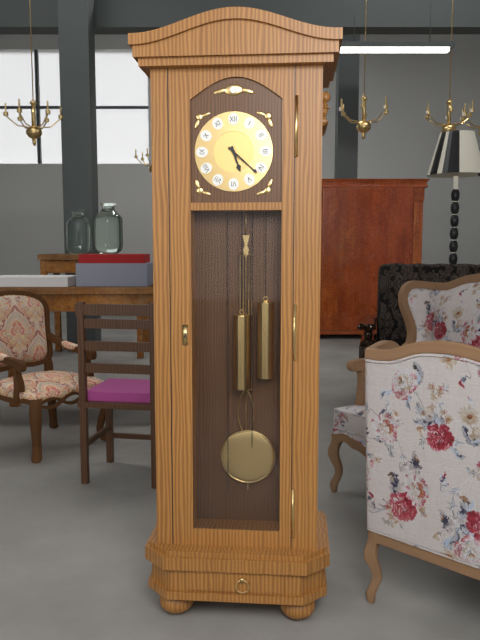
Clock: 5:22
